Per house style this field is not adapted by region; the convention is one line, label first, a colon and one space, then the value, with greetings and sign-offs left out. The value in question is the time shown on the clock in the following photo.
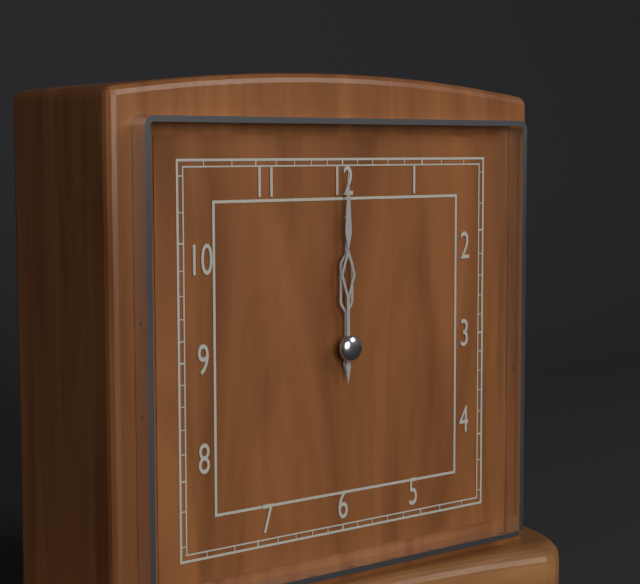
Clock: 12:00
